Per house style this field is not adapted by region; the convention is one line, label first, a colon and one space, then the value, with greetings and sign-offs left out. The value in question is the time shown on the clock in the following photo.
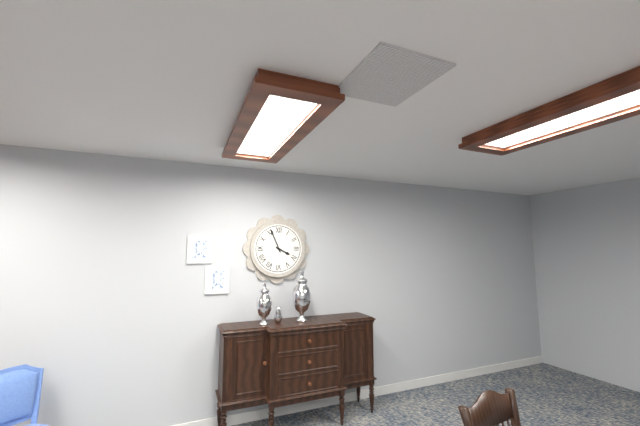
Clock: 3:56
